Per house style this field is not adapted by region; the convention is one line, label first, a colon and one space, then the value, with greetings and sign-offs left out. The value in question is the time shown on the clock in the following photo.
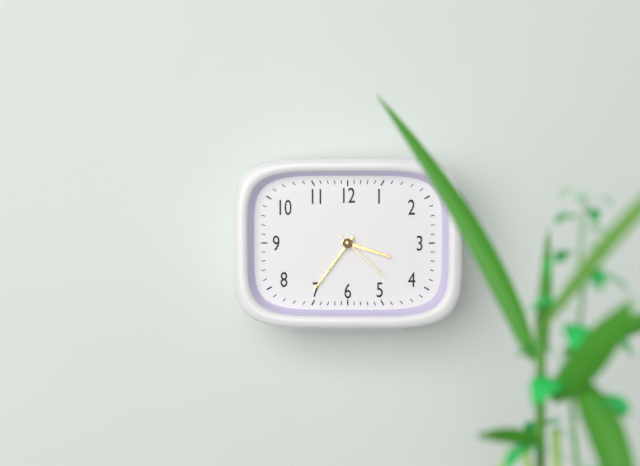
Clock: 3:36:22
